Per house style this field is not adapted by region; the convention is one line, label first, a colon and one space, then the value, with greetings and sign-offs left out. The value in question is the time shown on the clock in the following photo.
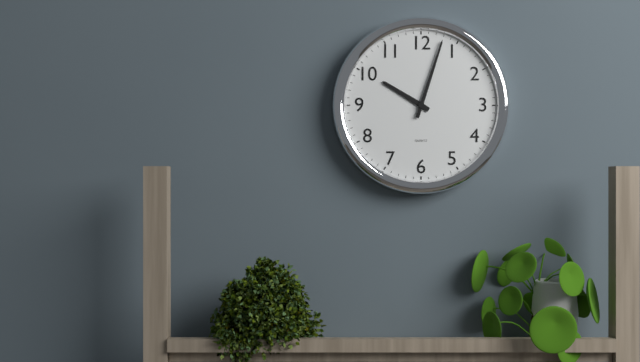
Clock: 10:03
